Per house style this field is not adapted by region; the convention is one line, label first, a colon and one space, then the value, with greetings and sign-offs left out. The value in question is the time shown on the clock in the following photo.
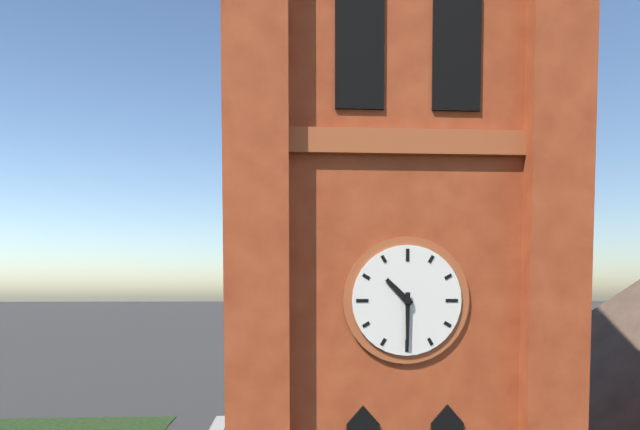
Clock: 10:30
